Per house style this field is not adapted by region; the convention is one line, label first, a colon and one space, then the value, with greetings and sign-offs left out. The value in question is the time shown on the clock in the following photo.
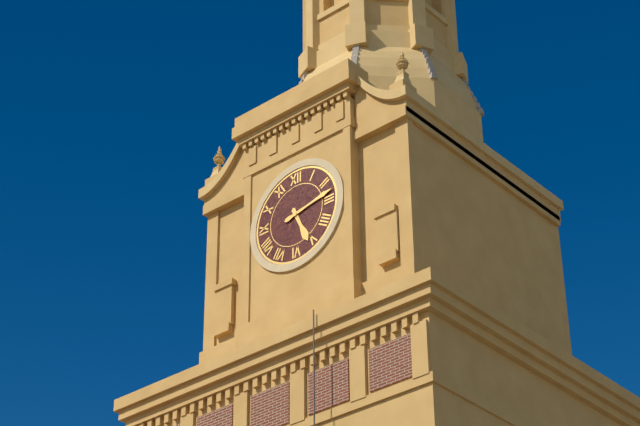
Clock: 5:13
